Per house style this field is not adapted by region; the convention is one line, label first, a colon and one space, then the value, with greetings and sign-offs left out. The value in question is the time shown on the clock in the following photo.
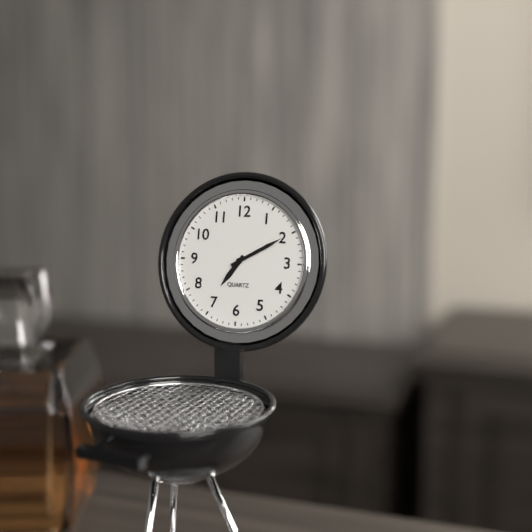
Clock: 7:10
